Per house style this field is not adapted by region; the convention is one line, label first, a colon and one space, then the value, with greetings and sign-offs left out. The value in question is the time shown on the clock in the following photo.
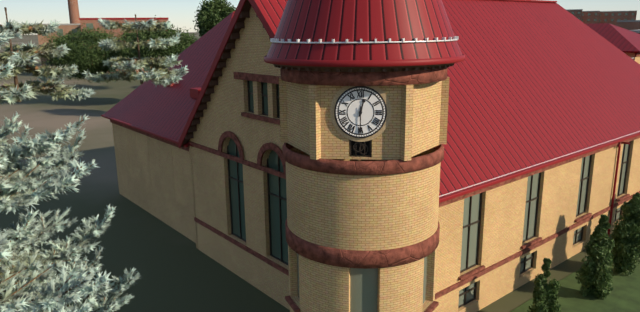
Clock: 12:30
